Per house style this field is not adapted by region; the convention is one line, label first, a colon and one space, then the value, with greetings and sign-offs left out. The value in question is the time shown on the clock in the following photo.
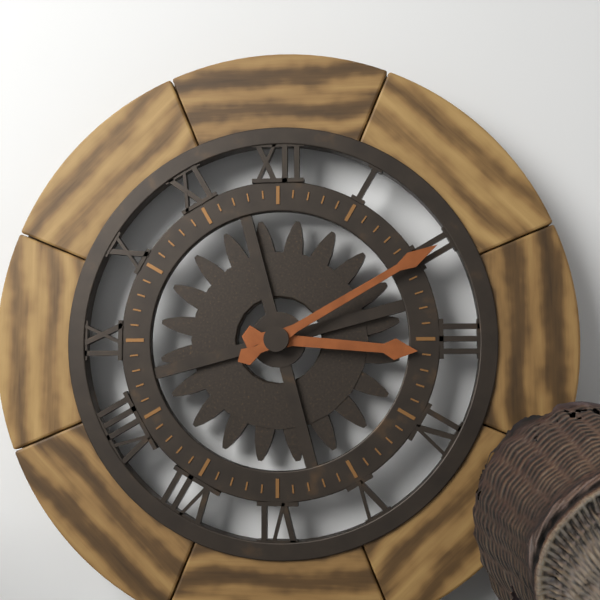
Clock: 3:10
